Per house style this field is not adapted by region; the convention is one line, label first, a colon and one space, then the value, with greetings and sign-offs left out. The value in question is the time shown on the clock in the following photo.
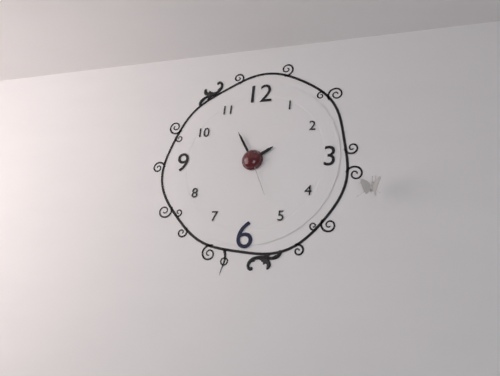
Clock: 1:55:26
